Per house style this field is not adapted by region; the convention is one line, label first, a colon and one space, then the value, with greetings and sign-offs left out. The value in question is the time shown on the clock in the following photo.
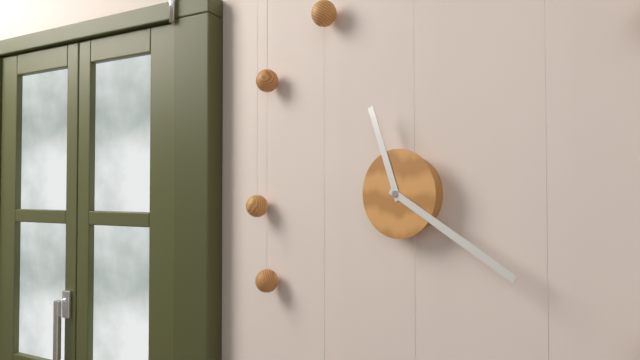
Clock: 11:20
